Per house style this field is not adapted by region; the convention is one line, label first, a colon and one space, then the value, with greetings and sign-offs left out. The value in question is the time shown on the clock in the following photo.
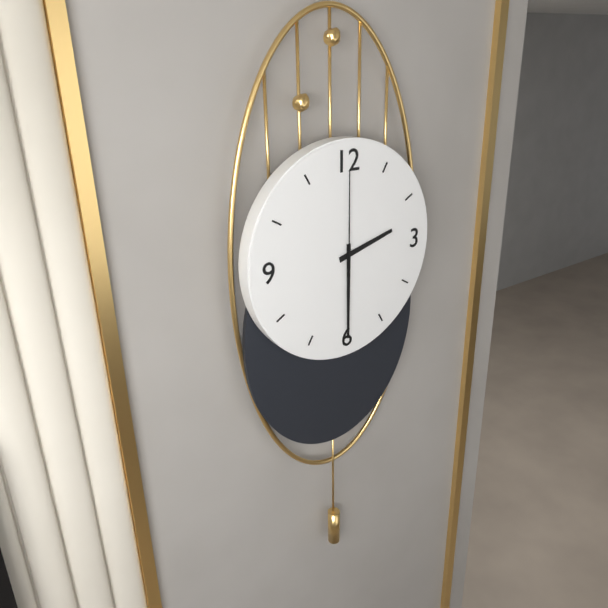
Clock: 2:30:00
